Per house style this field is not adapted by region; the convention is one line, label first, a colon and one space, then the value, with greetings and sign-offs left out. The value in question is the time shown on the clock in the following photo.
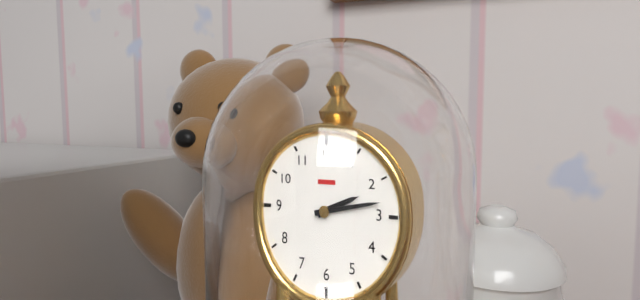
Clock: 2:13
